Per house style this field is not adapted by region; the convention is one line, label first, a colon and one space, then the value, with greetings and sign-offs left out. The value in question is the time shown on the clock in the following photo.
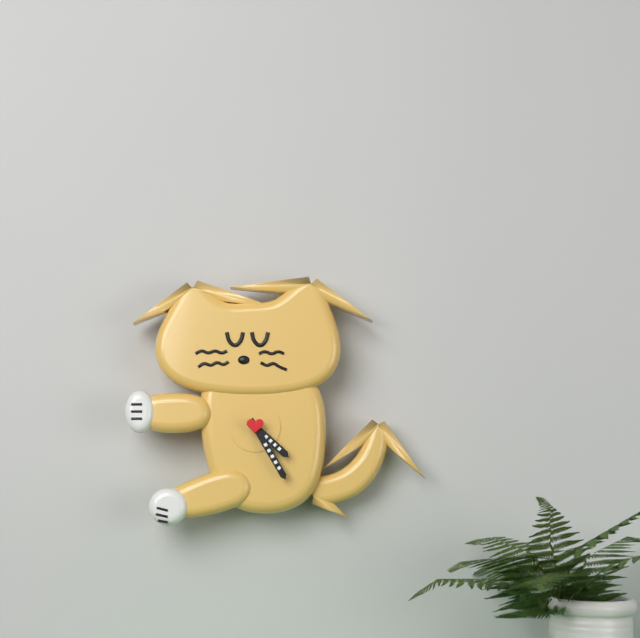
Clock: 4:25
